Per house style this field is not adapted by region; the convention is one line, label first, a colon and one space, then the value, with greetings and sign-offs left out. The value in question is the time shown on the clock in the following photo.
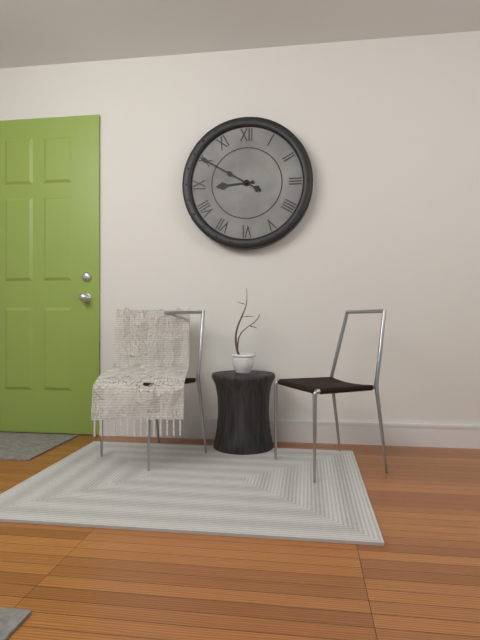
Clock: 8:50
